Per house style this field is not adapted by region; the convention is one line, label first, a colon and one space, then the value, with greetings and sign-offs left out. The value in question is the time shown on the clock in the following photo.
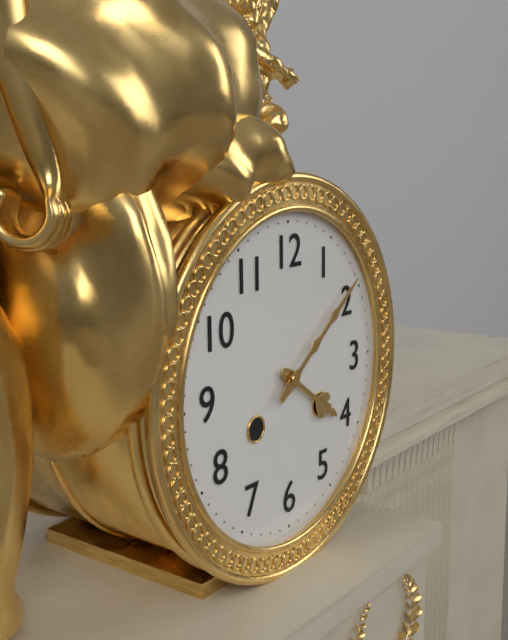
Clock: 4:09
